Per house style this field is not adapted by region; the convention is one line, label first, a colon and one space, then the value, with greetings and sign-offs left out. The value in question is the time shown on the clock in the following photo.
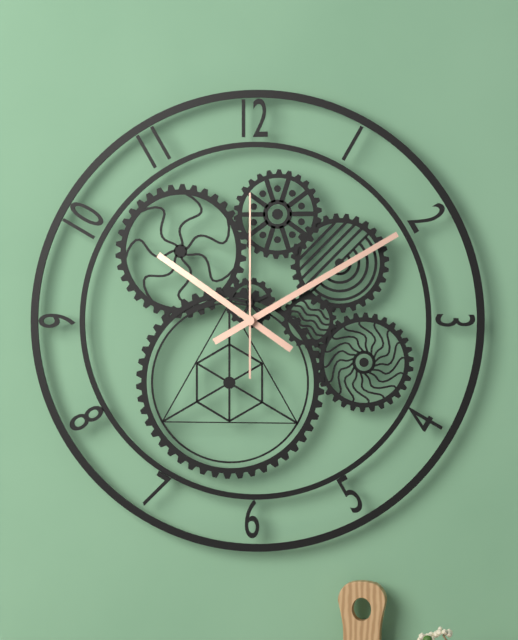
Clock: 10:10:00
